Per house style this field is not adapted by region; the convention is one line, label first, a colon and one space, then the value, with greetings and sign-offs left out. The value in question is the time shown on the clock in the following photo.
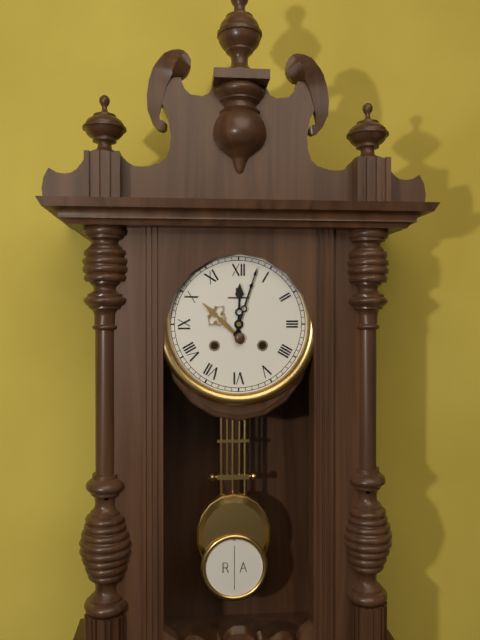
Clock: 12:03
